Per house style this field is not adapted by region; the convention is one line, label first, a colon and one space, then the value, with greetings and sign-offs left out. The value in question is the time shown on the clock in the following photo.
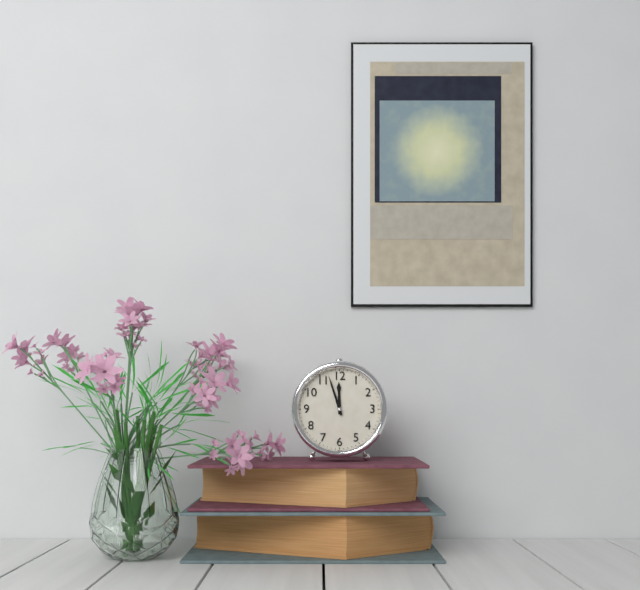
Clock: 11:57
